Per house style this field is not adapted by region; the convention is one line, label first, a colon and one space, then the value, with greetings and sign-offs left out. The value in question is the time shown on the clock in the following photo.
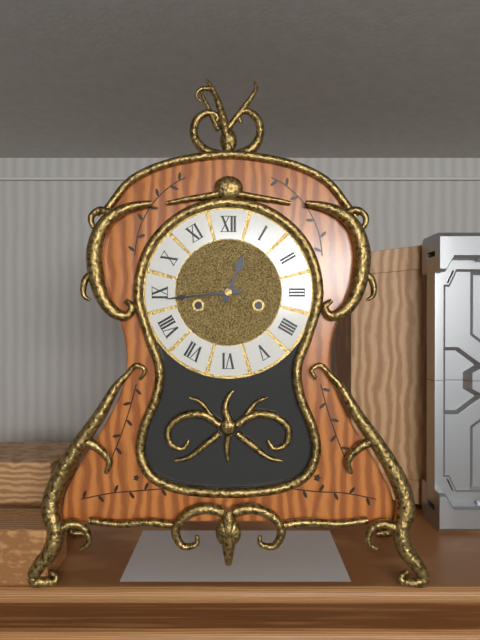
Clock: 12:44
